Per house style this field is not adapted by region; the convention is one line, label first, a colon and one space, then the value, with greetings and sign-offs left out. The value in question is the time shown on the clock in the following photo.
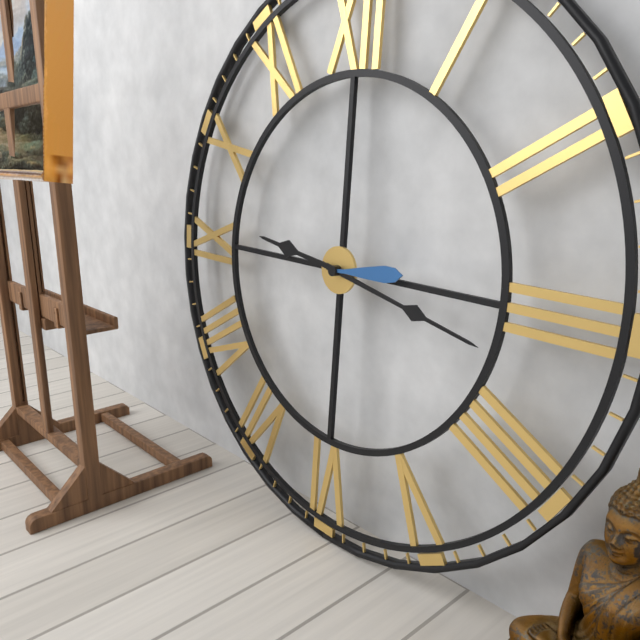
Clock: 9:17:14
